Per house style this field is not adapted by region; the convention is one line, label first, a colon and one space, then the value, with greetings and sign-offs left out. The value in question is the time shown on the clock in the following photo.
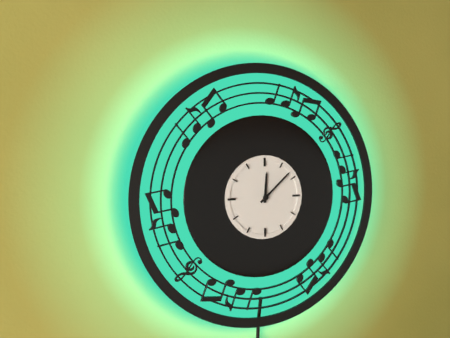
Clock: 12:08
